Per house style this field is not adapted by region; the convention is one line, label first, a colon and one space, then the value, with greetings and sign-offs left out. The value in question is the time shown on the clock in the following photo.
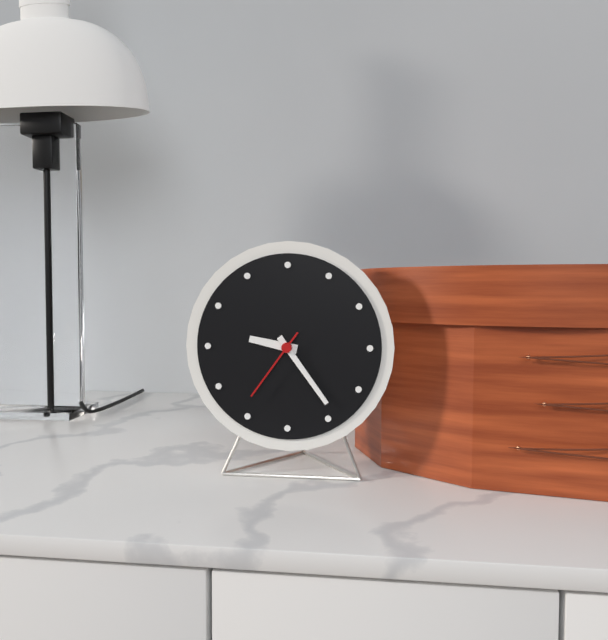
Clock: 9:24:36
